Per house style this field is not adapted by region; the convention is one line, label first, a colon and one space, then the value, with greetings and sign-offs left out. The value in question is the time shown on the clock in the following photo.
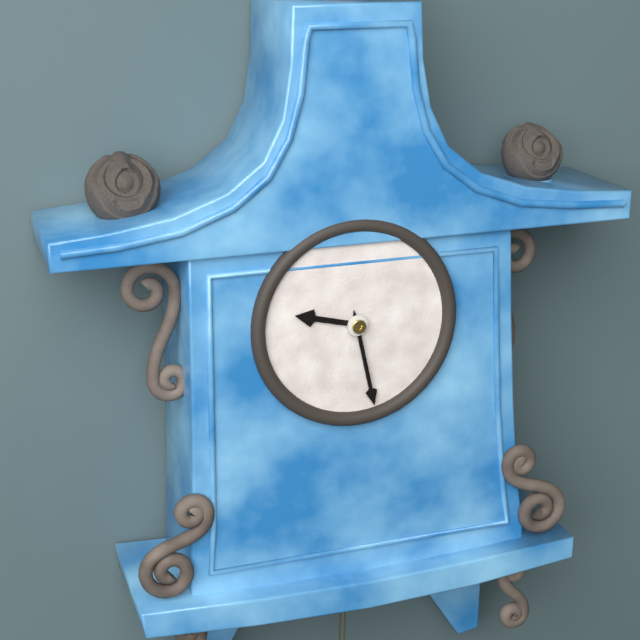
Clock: 9:28
